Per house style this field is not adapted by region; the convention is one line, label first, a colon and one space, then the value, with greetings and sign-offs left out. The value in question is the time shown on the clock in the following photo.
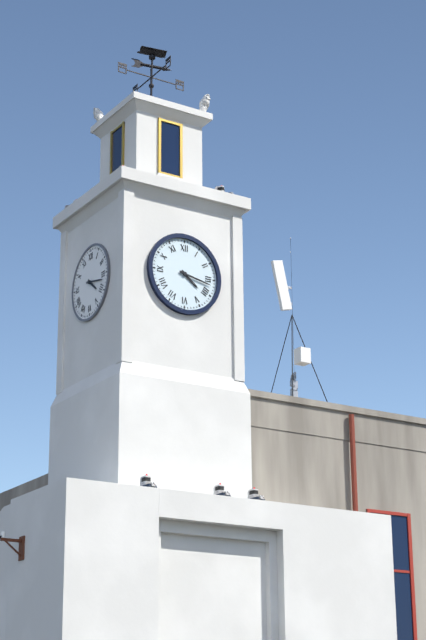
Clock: 4:17
